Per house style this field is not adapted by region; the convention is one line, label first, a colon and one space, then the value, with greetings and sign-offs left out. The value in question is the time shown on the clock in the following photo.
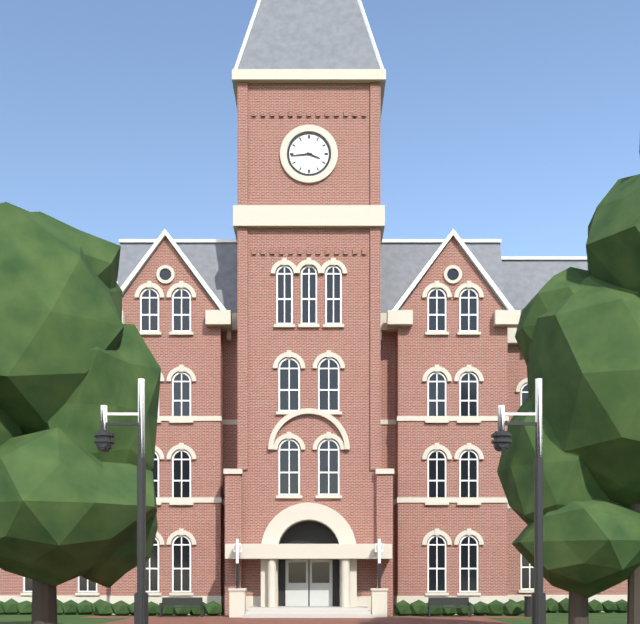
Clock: 3:44
